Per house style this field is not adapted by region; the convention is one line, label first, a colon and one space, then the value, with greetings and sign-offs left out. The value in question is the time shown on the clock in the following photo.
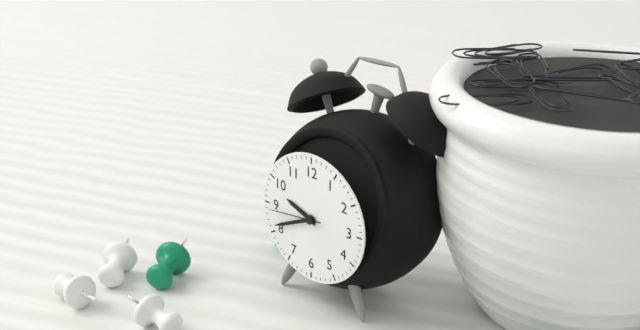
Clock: 9:41:44
